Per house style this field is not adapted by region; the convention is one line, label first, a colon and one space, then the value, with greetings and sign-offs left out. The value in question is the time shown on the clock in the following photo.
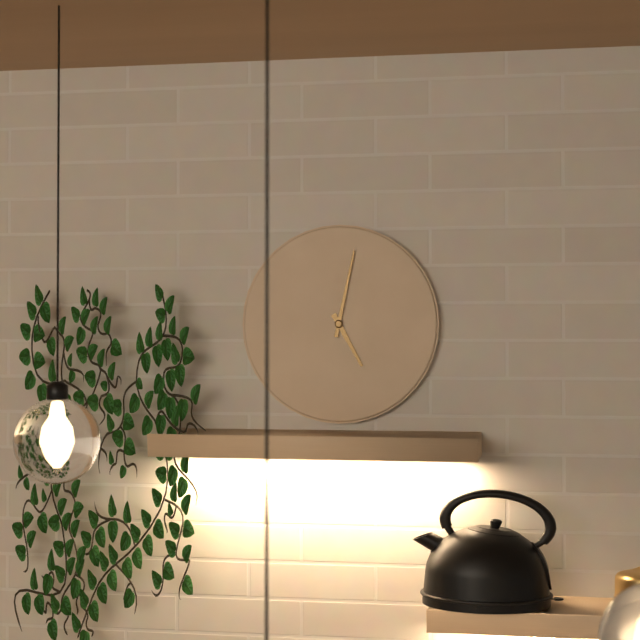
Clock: 5:02
